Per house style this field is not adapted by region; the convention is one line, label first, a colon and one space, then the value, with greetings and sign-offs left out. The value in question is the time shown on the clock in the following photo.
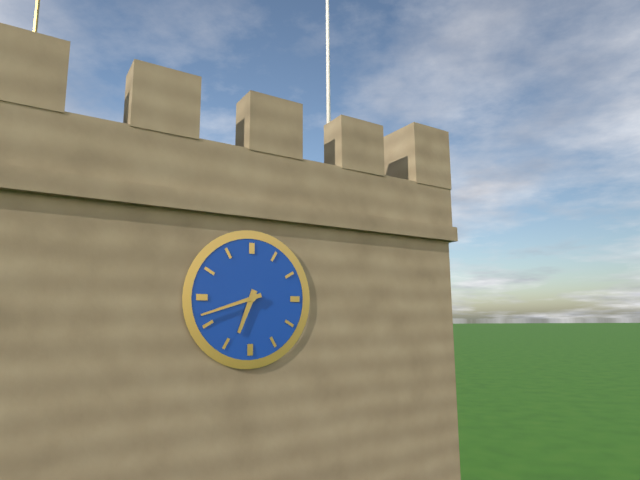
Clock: 6:42
